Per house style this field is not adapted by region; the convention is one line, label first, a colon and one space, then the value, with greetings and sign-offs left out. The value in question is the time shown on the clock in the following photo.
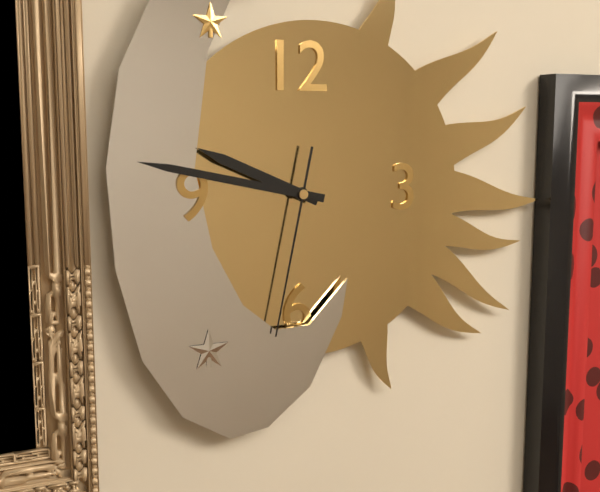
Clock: 9:47:32
